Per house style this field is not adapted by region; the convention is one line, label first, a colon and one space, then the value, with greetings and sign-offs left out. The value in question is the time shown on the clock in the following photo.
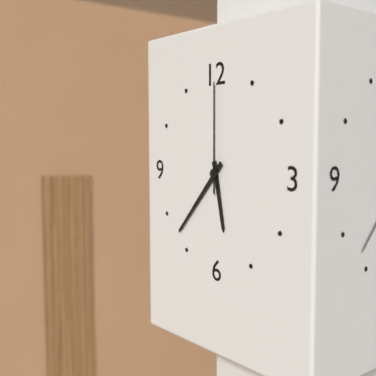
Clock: 5:37:00
